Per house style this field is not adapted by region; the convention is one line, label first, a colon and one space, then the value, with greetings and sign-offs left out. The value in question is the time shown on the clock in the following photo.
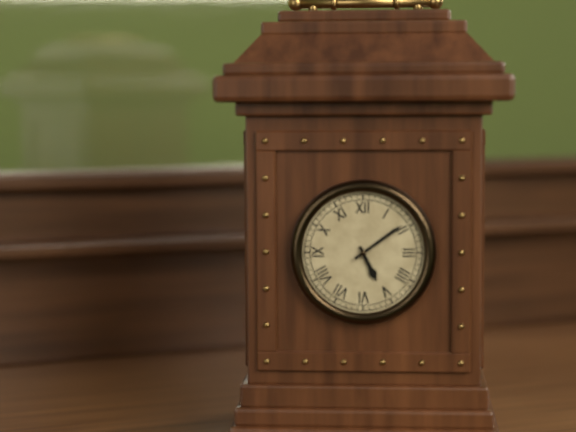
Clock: 5:09
